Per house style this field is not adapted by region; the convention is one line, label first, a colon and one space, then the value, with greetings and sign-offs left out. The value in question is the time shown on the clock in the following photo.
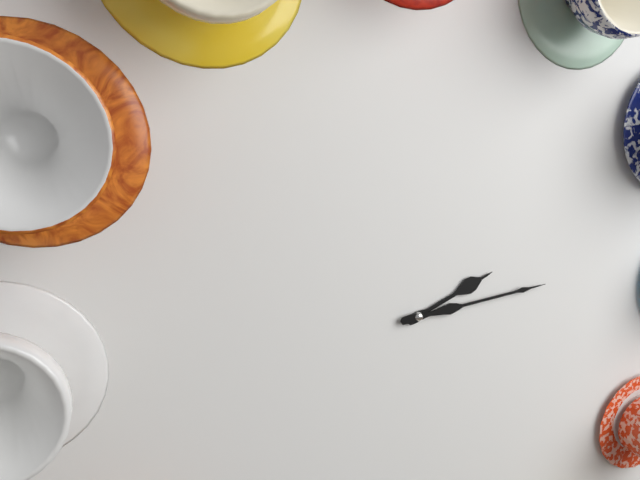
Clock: 2:14
